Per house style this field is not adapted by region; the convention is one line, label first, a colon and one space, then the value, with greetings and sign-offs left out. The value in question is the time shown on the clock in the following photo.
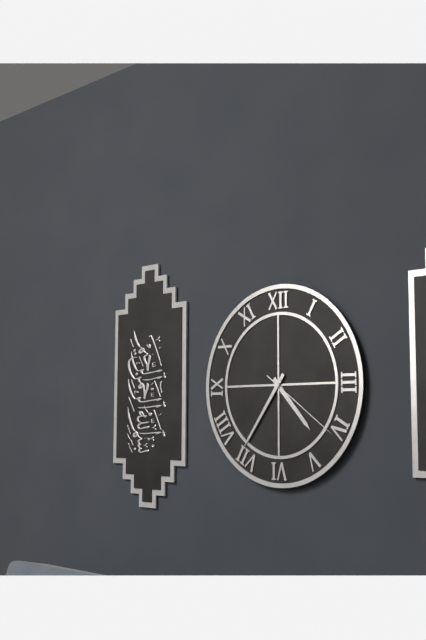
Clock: 4:36:21
